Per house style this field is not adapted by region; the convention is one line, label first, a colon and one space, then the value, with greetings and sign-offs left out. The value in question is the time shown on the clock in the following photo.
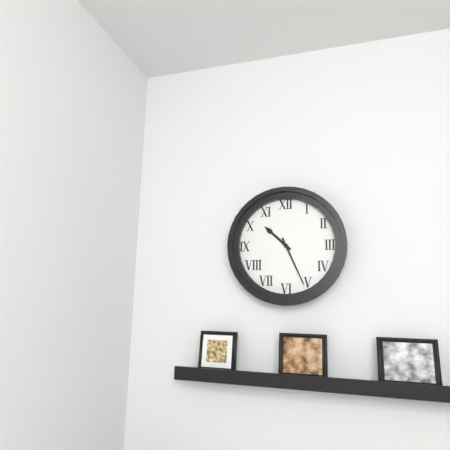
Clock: 10:26
